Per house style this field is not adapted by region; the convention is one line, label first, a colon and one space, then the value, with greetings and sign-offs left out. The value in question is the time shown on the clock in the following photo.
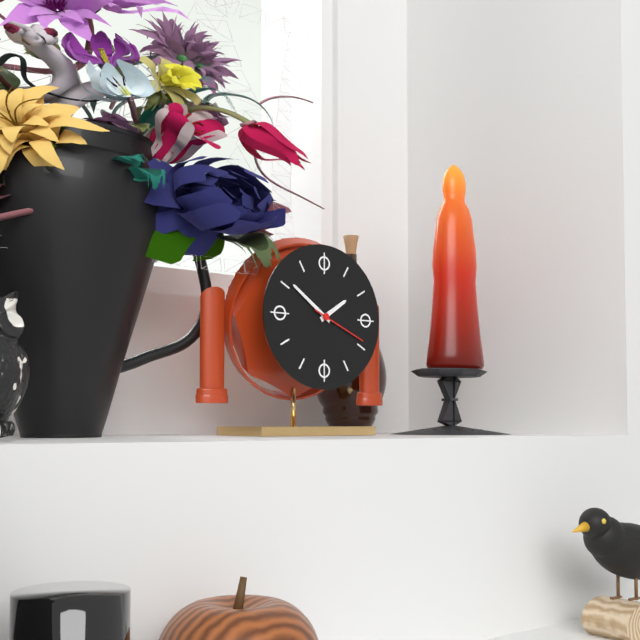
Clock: 1:51:19
